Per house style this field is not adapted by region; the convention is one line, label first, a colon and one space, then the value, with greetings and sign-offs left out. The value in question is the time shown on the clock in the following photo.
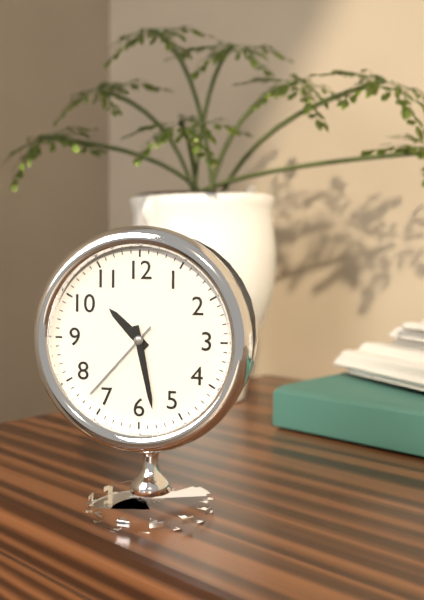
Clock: 10:28:37
